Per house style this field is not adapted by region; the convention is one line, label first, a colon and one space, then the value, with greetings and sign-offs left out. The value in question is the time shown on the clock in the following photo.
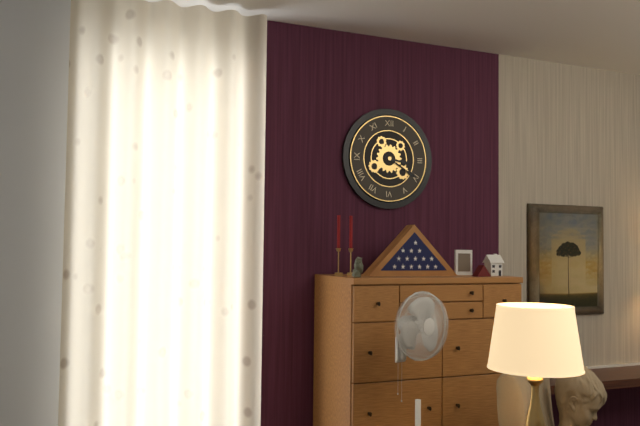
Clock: 3:20
